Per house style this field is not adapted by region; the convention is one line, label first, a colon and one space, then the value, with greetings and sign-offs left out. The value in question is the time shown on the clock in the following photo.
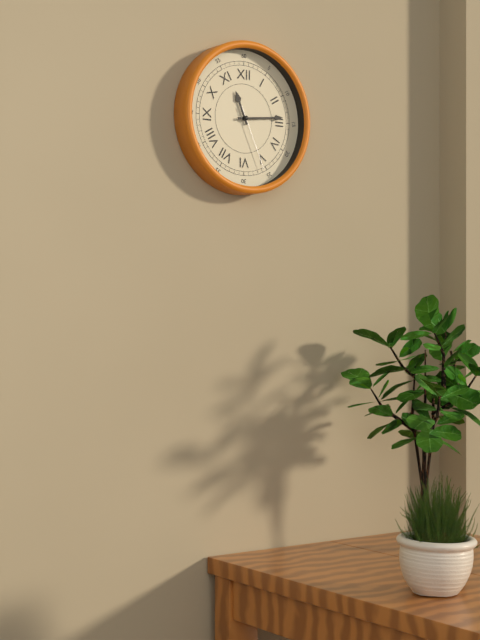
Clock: 11:14:26
